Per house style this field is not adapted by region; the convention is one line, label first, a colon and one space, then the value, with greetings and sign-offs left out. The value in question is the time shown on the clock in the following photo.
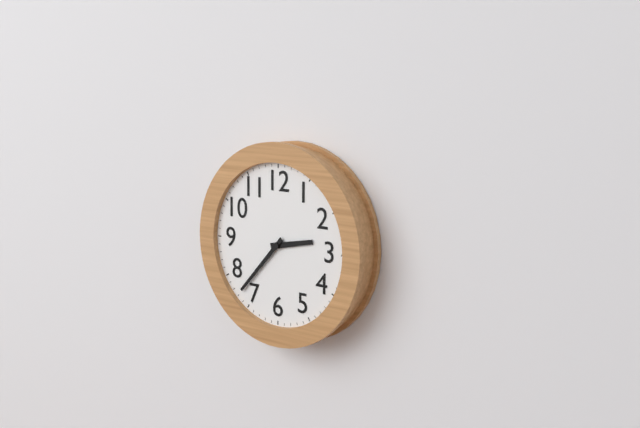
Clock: 2:37
